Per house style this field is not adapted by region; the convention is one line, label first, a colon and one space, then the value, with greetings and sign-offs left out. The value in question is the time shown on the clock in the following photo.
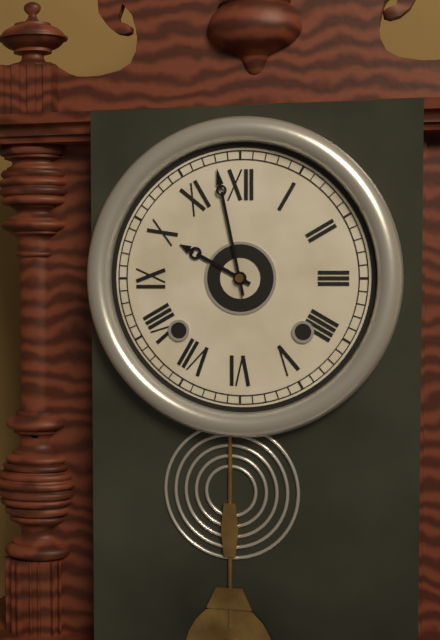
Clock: 9:58
